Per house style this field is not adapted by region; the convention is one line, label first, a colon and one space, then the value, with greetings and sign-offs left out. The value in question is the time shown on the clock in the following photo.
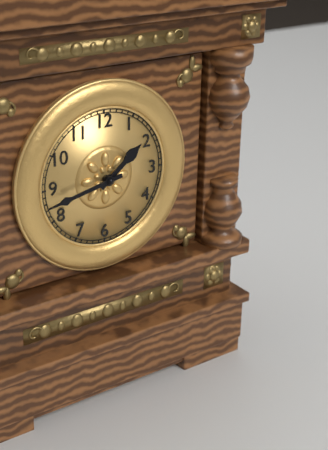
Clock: 1:43
